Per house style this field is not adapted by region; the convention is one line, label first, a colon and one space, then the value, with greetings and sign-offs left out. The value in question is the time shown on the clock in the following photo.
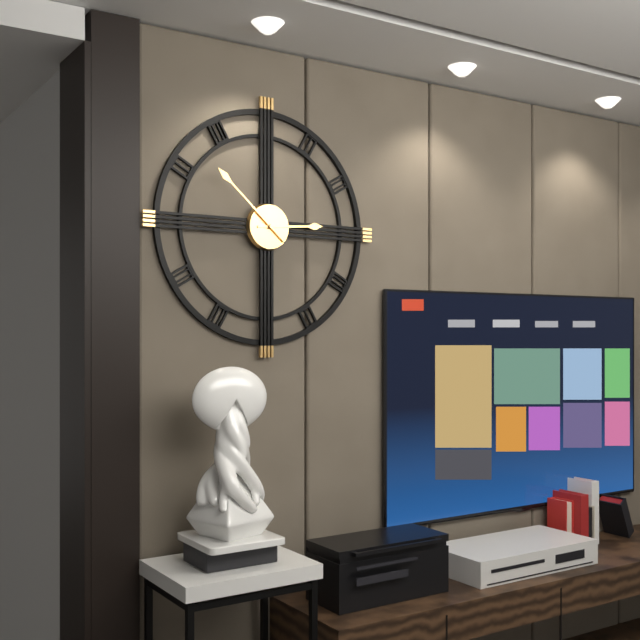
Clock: 2:52
